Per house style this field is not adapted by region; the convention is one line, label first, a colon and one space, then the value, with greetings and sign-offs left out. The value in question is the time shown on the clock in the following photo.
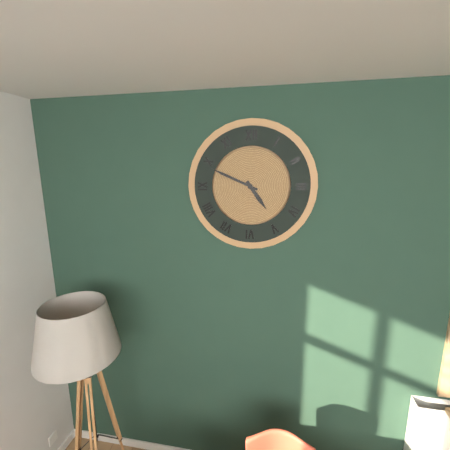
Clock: 4:49
